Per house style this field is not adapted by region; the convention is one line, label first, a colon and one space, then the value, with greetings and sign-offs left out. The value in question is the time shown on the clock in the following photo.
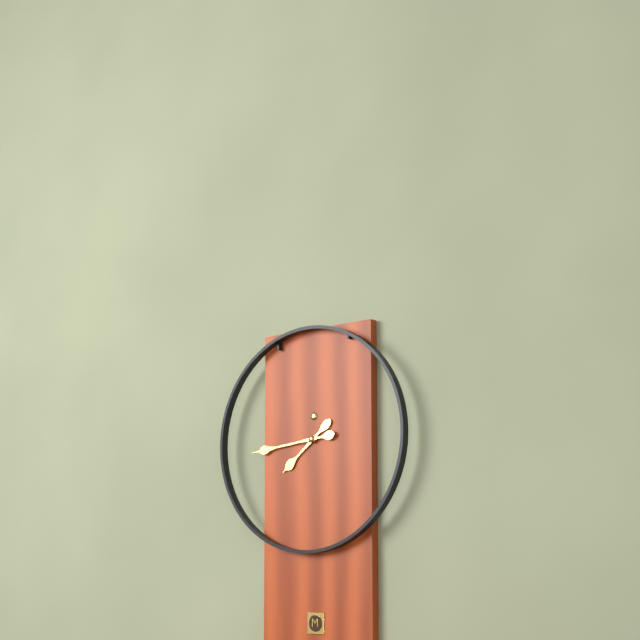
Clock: 7:44
